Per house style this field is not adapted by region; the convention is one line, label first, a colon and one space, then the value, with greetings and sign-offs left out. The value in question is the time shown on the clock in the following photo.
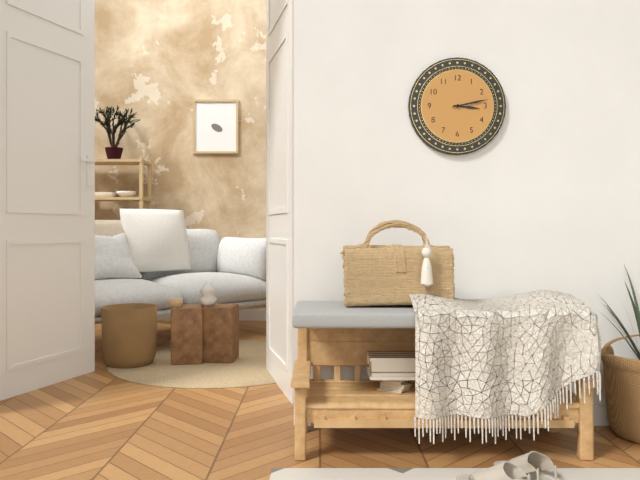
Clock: 3:13
